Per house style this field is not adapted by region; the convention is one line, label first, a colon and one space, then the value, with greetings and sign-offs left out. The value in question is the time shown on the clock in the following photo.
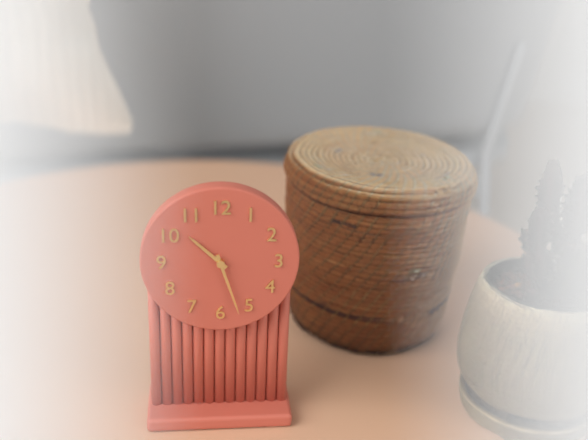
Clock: 10:27
